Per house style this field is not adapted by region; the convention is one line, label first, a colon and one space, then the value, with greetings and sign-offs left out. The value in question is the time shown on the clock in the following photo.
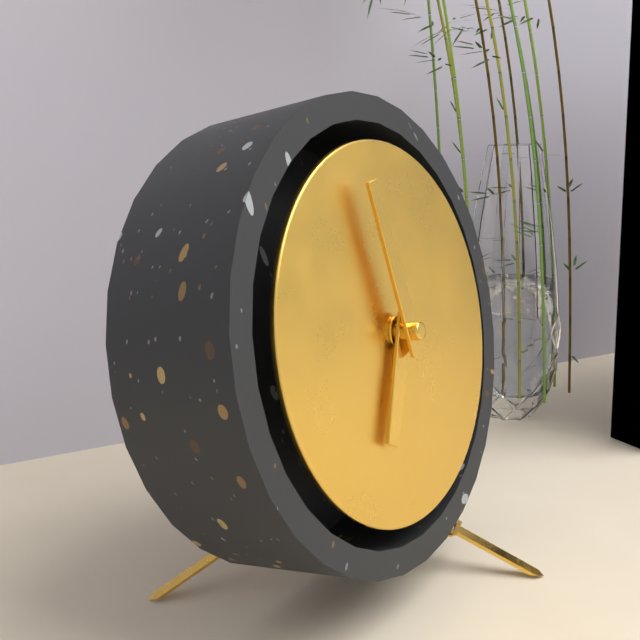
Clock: 6:58
